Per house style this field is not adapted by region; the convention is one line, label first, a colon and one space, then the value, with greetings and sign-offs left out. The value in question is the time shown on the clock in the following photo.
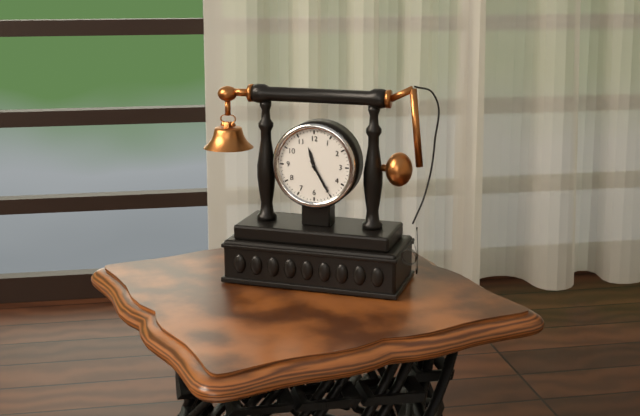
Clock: 11:25
